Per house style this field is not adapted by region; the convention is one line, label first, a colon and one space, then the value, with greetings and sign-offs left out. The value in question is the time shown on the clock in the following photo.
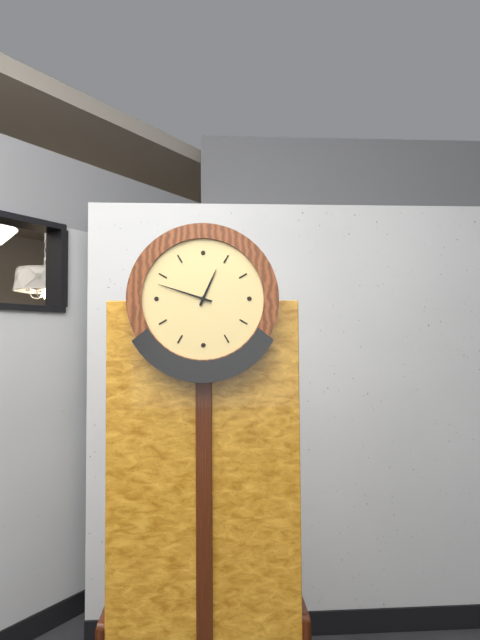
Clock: 12:48
